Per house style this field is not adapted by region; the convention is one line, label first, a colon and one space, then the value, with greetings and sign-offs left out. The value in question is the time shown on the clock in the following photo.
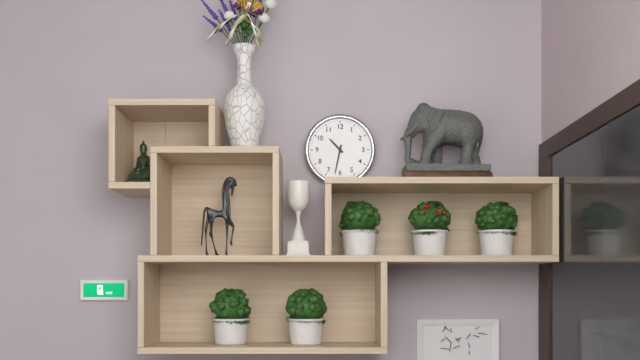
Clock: 10:32
